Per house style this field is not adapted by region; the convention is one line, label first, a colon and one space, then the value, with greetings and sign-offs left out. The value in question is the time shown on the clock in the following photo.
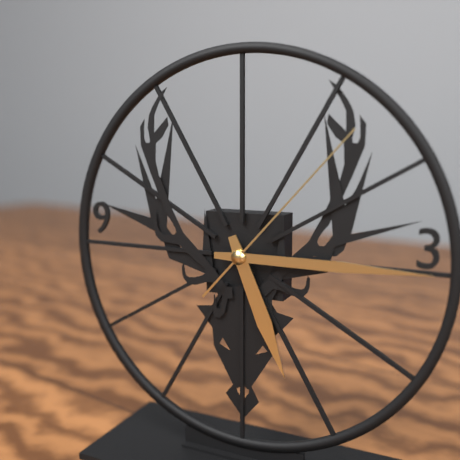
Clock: 5:15:07
